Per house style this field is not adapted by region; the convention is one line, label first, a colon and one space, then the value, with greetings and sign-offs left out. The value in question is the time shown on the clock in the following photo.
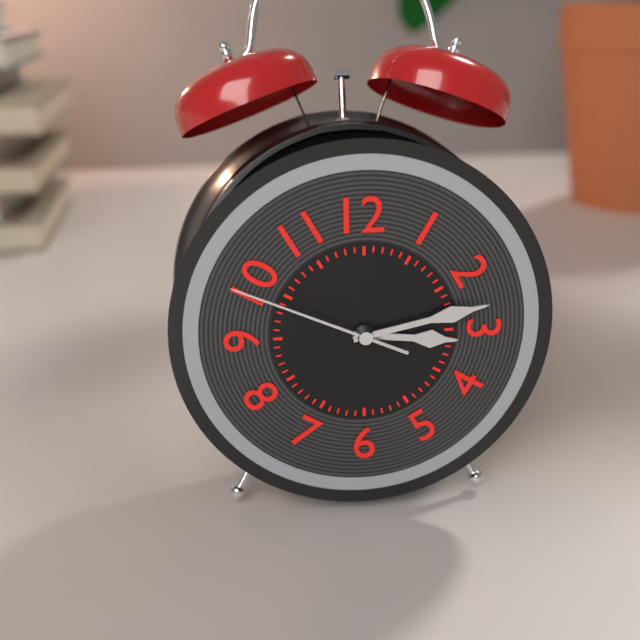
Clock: 3:13:49
